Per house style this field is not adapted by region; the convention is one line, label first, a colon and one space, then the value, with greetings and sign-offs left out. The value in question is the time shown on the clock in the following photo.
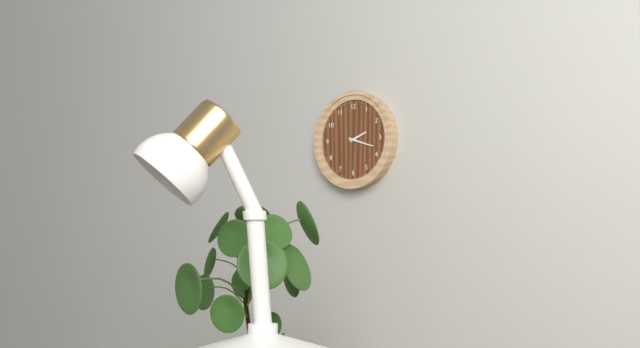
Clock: 2:18
